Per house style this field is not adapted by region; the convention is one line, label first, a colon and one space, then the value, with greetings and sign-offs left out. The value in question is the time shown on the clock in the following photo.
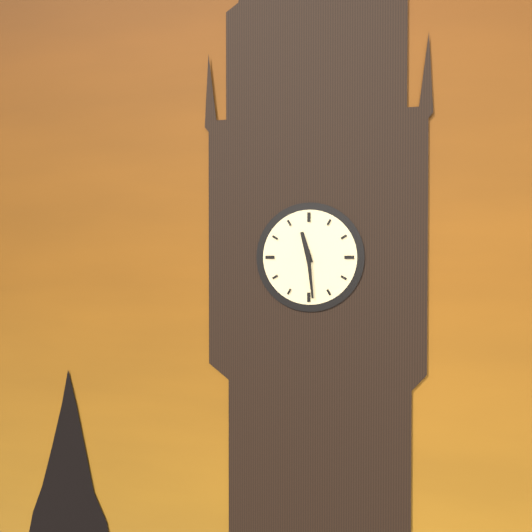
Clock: 11:29
